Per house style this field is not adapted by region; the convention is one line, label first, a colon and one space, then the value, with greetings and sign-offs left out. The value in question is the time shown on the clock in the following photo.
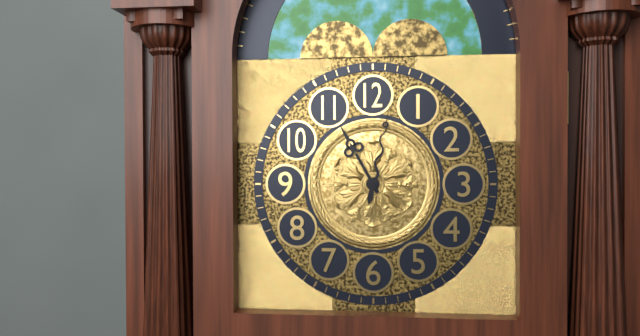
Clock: 11:02
